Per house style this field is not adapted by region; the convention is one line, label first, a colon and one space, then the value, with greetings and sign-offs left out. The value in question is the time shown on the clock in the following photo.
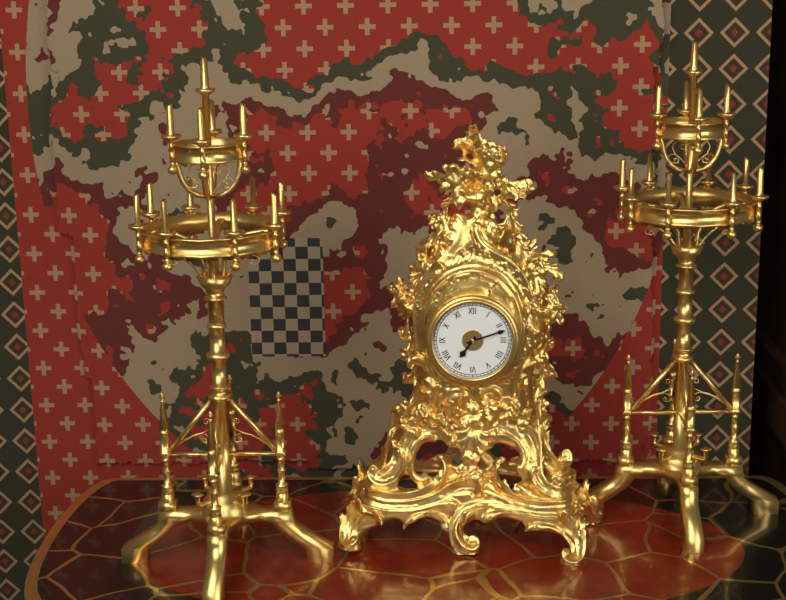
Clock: 7:12
